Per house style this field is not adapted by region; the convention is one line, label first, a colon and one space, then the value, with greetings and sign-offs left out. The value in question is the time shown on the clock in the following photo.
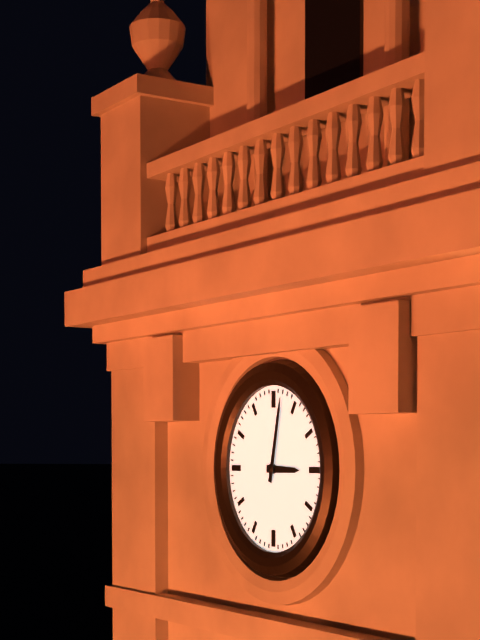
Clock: 3:02
